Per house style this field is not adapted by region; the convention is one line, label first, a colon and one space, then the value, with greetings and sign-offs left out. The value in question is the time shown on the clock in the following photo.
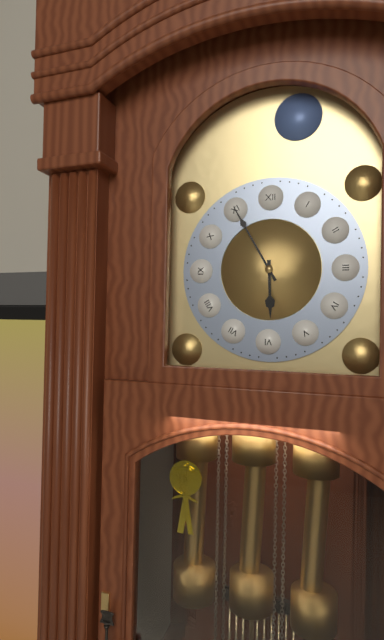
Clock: 5:55
